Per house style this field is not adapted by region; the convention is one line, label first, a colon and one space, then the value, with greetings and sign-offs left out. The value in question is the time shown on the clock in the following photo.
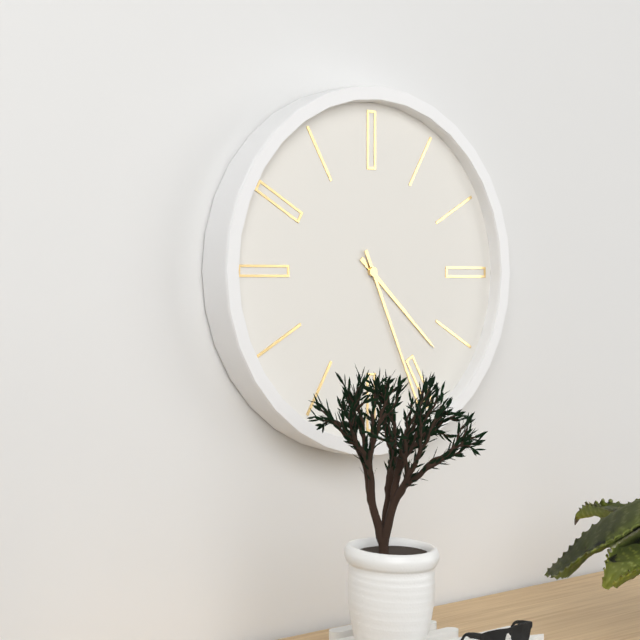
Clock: 4:26
